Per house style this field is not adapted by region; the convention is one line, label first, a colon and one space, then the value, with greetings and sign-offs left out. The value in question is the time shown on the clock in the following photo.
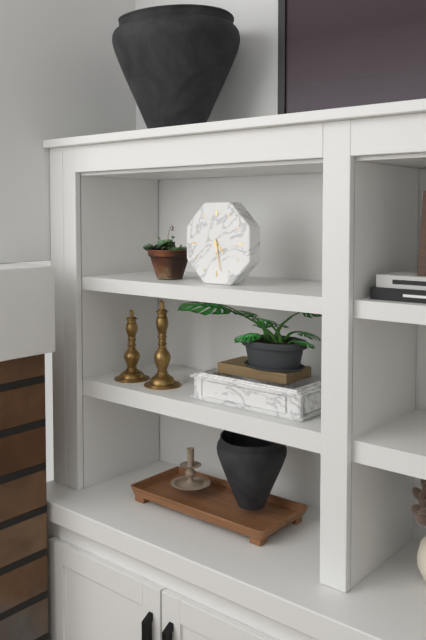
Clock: 4:28
